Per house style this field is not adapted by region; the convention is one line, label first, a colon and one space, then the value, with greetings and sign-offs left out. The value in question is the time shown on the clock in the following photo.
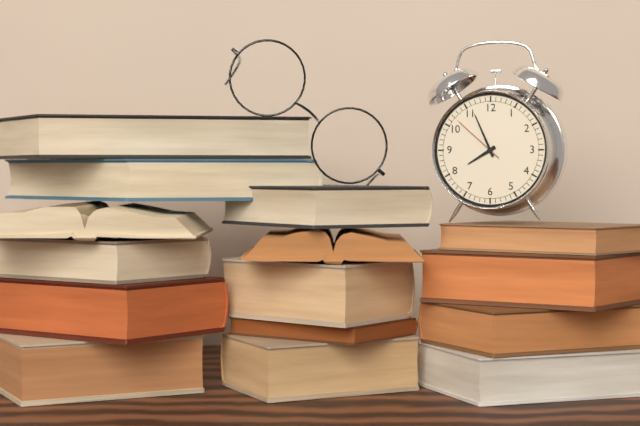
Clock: 7:56:52
